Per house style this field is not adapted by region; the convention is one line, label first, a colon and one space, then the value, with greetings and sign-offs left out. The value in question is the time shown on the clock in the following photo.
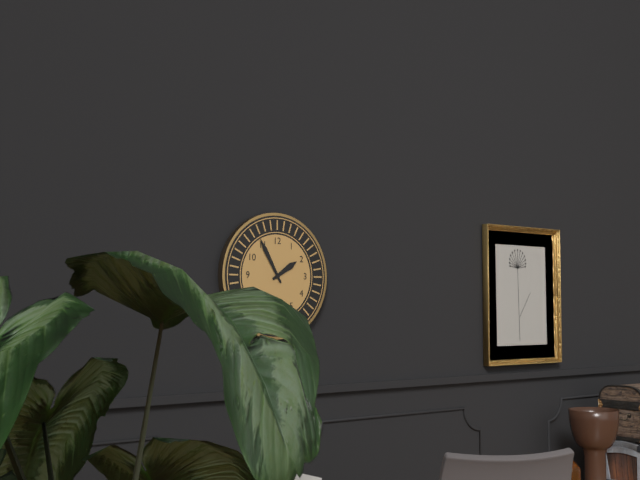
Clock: 1:55
